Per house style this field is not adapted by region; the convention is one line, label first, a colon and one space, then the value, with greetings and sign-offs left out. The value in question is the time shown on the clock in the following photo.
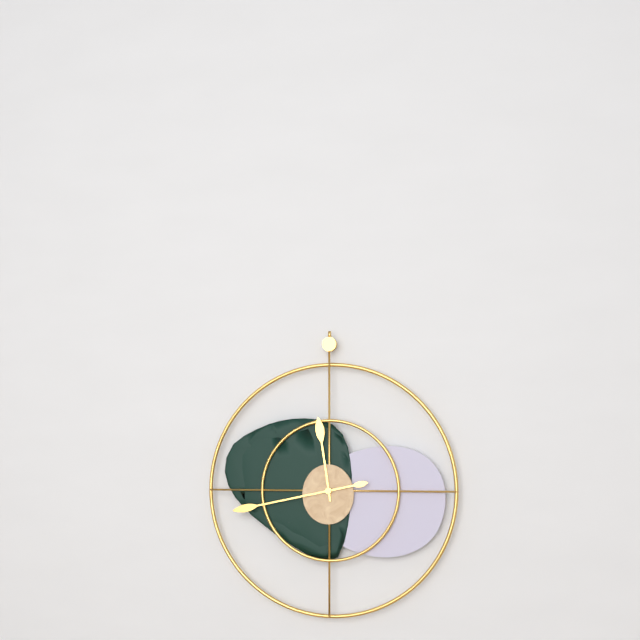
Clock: 11:43
